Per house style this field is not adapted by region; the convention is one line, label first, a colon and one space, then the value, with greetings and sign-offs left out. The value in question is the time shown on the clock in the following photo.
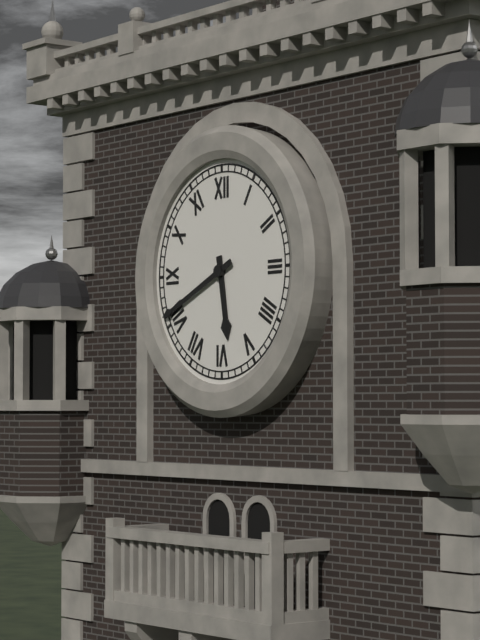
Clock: 5:41
